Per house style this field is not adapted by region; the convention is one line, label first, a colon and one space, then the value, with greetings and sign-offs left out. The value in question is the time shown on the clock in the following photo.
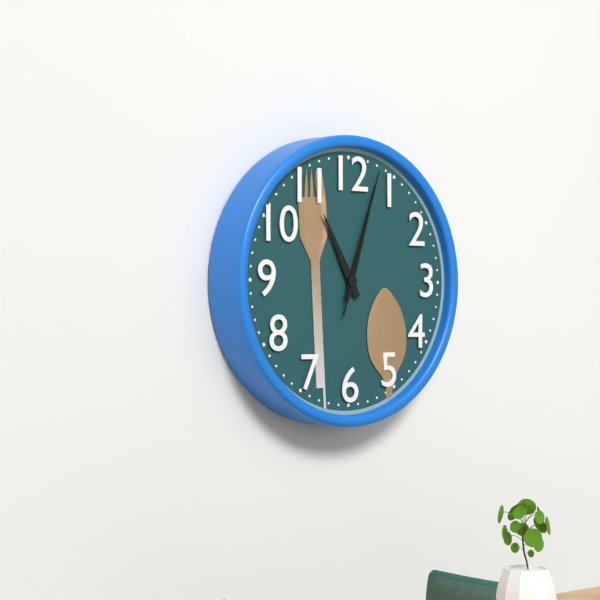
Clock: 11:03:03
